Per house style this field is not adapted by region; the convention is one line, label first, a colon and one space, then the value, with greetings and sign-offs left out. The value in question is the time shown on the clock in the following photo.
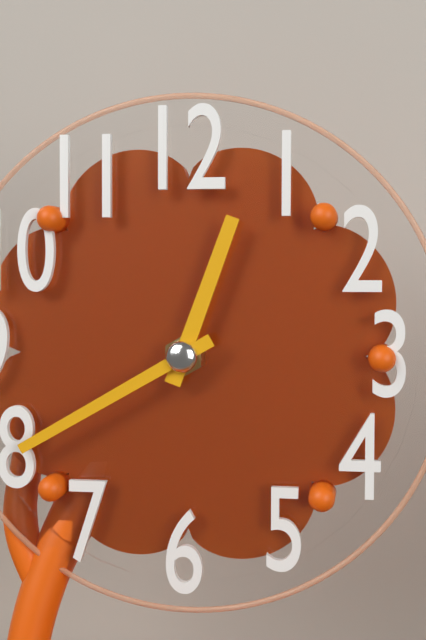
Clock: 12:40
